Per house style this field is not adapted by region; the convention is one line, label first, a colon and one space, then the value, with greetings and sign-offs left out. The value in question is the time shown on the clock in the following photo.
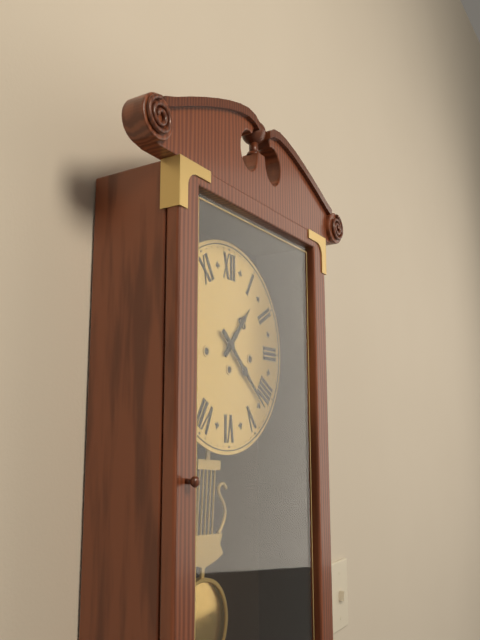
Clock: 1:22
